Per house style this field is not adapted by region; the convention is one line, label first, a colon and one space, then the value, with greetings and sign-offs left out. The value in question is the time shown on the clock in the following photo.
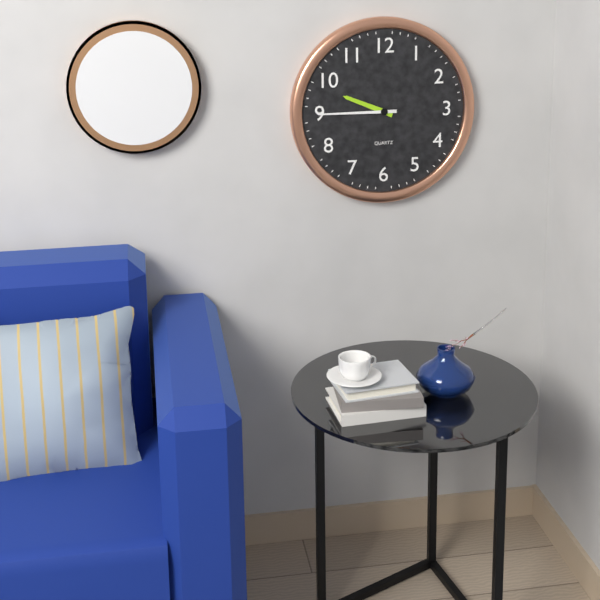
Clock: 9:45
